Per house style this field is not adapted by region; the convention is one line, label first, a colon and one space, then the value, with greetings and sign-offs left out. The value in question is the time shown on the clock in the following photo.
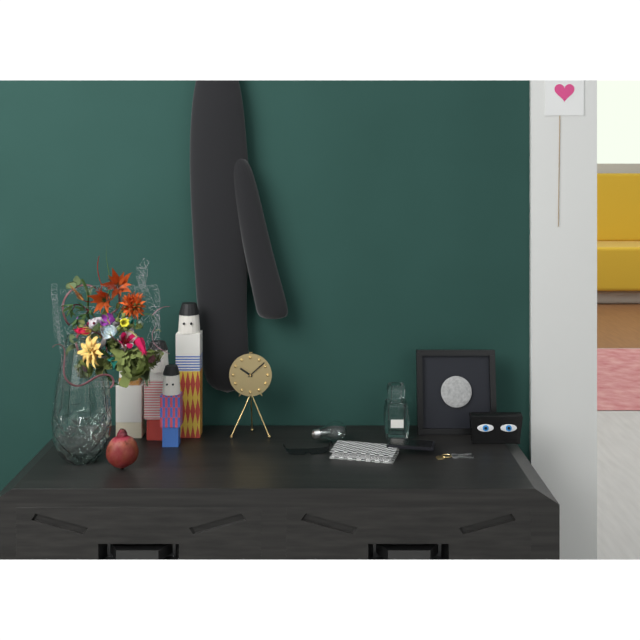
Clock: 10:08
